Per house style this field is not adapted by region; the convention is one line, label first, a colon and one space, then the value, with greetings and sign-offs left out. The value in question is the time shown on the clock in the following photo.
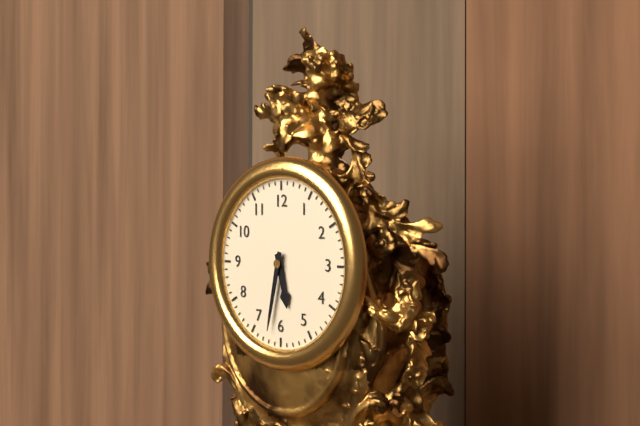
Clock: 5:32
